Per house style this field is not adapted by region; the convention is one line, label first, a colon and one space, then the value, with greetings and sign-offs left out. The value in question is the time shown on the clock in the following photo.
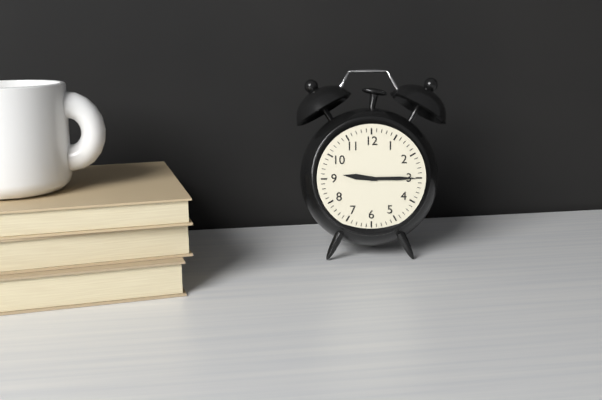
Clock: 9:15
